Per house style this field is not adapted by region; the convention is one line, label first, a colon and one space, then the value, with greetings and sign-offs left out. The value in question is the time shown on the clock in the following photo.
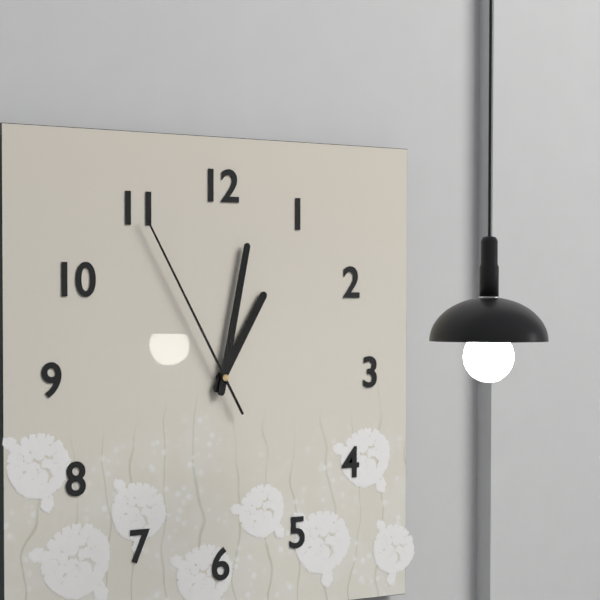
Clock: 1:02:55
